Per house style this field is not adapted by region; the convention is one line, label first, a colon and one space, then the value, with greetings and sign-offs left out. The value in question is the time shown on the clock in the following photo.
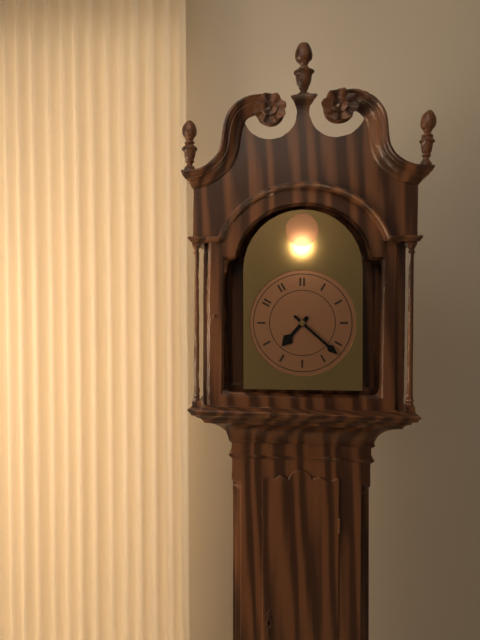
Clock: 7:22
